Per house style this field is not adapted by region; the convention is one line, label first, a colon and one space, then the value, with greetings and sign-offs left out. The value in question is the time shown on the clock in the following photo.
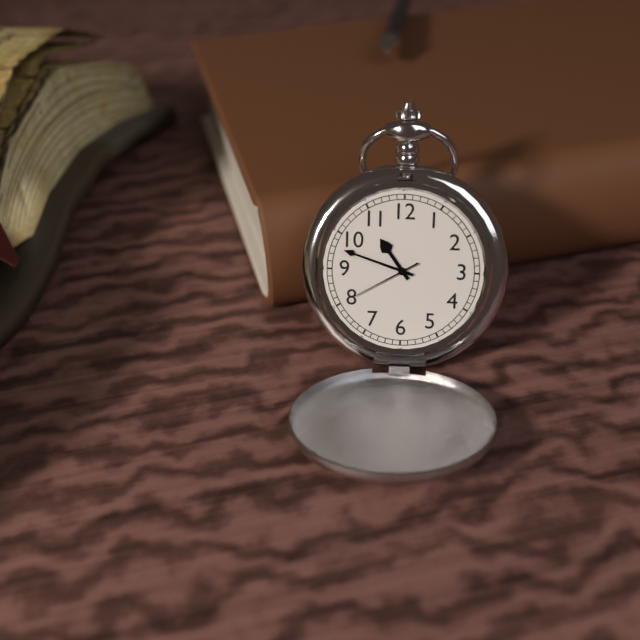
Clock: 10:48:40
